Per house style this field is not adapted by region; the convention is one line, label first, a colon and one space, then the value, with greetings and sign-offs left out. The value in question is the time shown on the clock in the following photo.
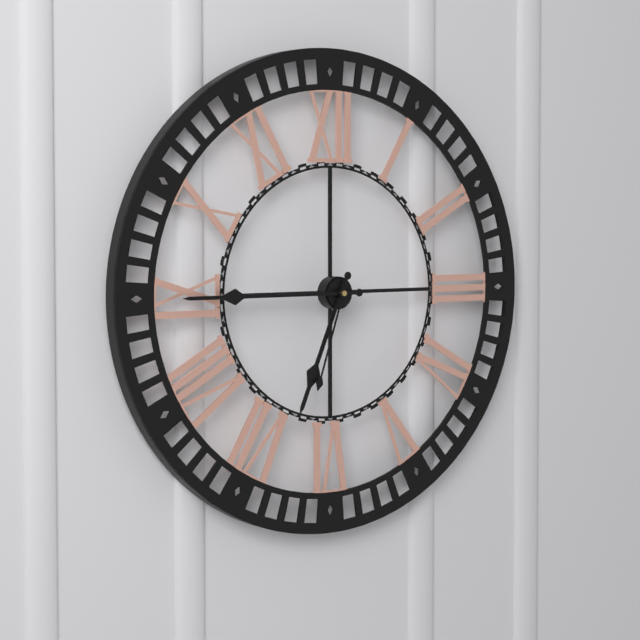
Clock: 6:45:33
